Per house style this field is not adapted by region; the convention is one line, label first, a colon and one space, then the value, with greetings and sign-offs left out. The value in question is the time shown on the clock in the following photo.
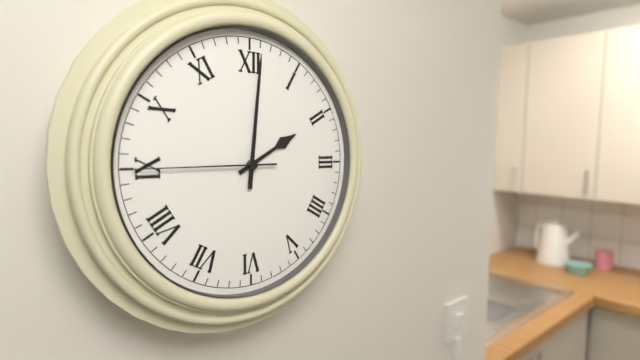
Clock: 2:01:45
